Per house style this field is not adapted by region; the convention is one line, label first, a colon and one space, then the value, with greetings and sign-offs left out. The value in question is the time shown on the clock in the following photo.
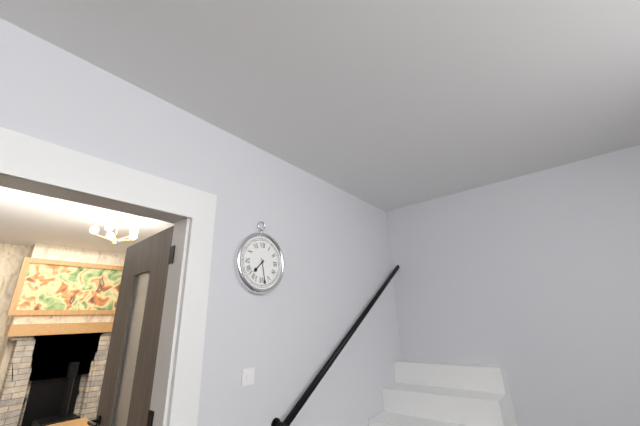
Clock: 7:28
